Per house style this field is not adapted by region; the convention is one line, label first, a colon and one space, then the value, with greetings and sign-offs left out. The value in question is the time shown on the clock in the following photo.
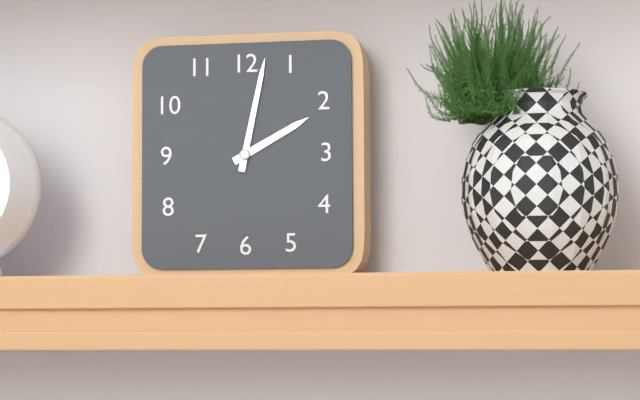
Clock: 2:02
